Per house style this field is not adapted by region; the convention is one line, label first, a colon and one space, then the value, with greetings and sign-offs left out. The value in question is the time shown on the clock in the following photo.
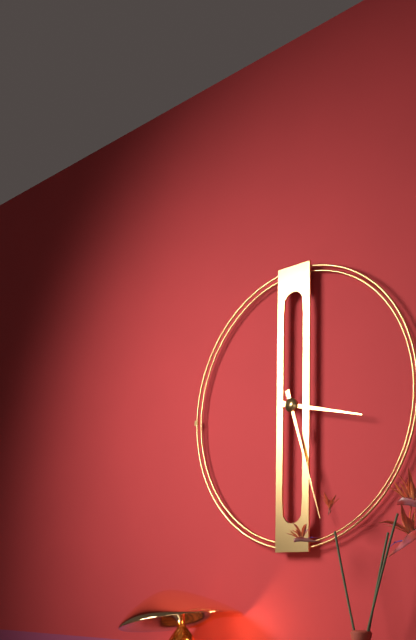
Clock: 3:27
